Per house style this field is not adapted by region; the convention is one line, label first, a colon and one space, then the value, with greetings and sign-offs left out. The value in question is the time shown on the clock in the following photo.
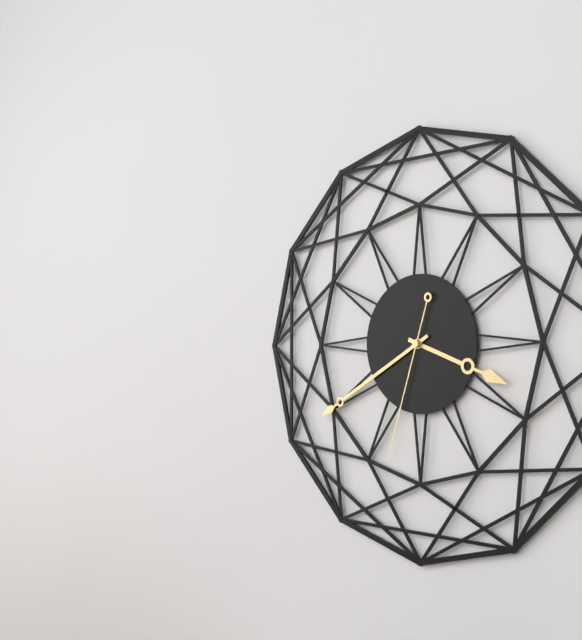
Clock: 3:40:33
